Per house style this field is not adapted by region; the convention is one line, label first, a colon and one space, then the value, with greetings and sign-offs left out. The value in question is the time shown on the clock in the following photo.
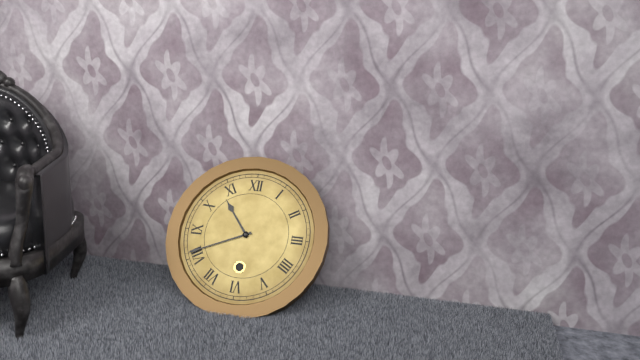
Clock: 10:41
